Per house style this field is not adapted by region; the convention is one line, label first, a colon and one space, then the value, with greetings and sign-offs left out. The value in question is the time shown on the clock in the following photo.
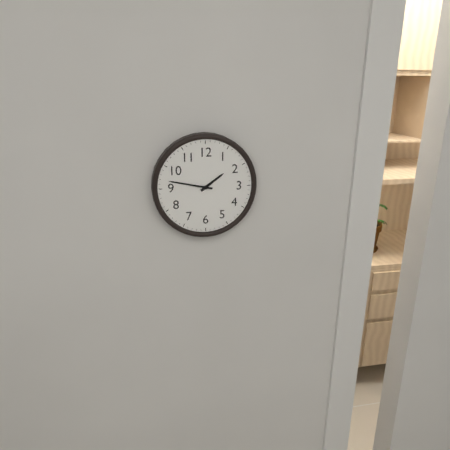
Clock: 1:47
